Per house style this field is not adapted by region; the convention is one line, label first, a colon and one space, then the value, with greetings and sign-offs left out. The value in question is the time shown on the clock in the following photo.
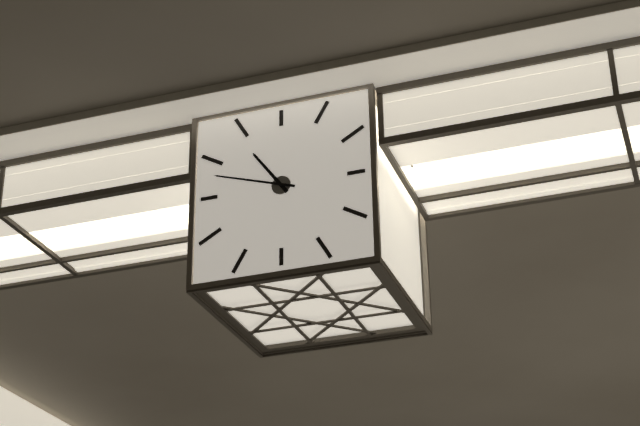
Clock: 10:48
